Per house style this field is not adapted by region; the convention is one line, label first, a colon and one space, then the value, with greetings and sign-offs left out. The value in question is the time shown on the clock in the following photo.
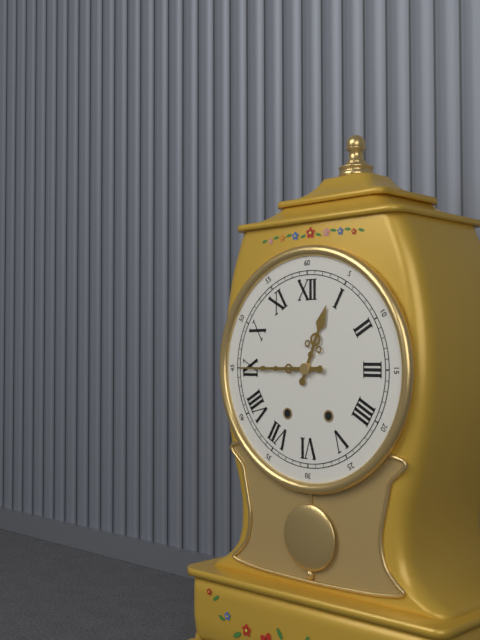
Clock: 12:45
